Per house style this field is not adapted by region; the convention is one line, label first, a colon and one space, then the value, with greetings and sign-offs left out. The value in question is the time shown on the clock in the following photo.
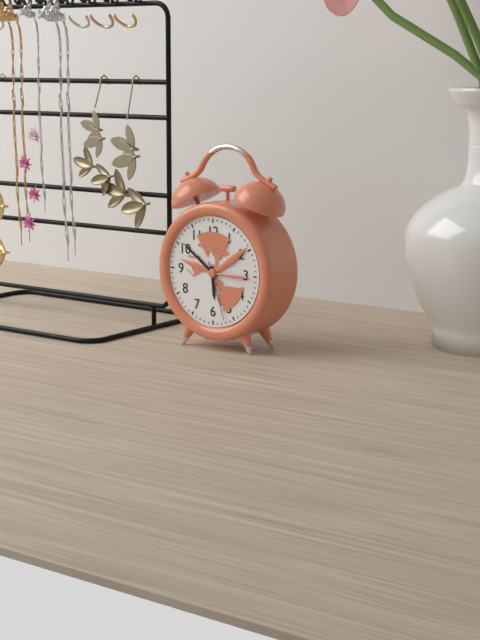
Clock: 5:51:27
